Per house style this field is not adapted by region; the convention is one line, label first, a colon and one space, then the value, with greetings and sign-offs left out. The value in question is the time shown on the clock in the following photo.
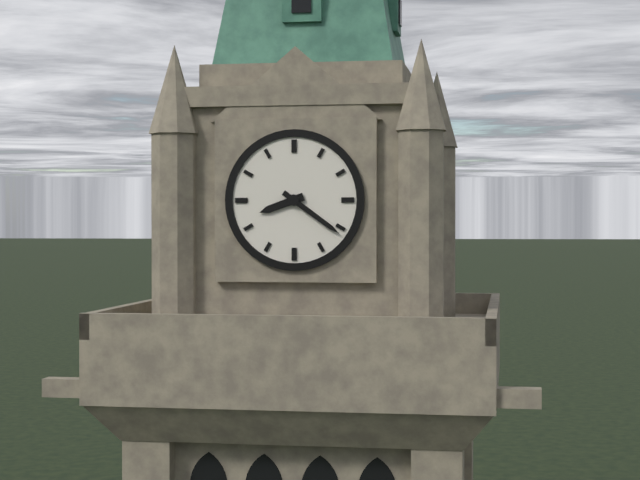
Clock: 8:21
